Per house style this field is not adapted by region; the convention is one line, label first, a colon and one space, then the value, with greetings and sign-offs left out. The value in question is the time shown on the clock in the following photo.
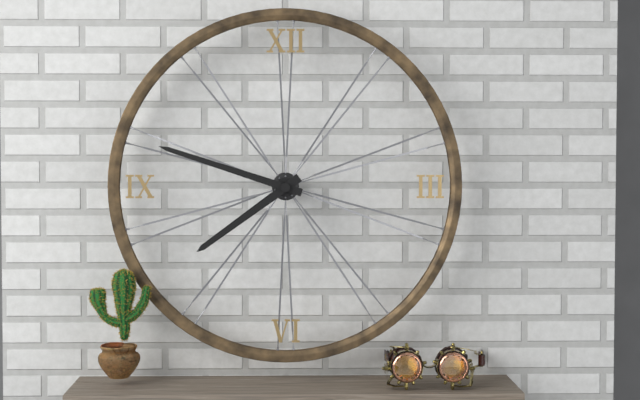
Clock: 7:48
